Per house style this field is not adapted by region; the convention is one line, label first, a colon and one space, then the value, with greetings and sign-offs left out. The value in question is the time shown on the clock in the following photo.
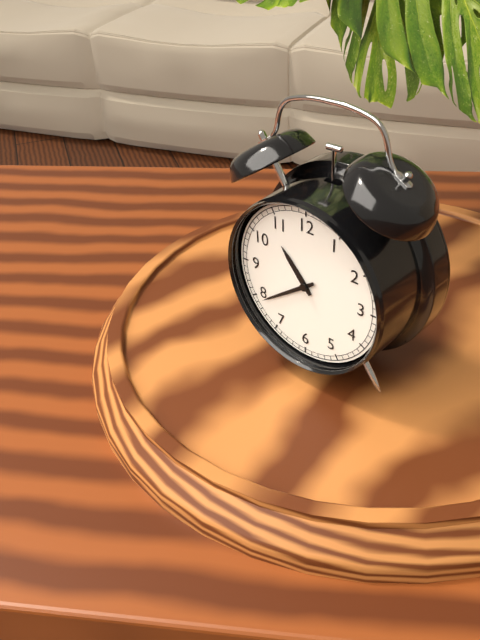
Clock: 10:39
